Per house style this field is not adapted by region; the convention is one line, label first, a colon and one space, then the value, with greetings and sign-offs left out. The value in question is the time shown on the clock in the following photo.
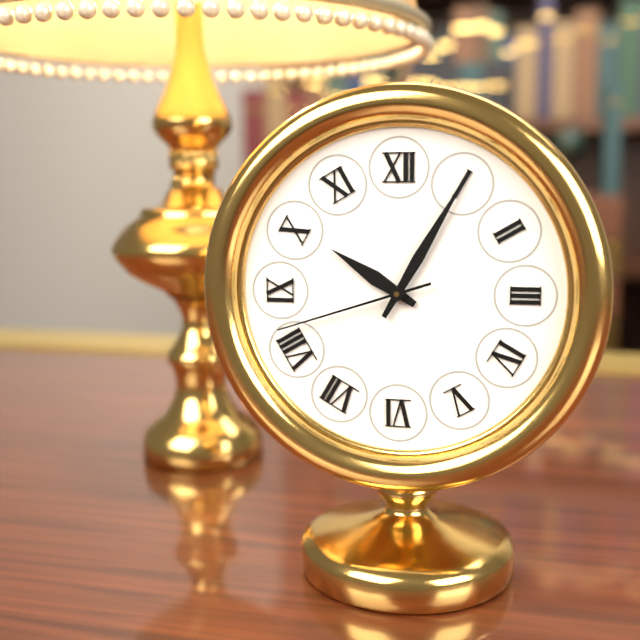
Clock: 10:05:42
